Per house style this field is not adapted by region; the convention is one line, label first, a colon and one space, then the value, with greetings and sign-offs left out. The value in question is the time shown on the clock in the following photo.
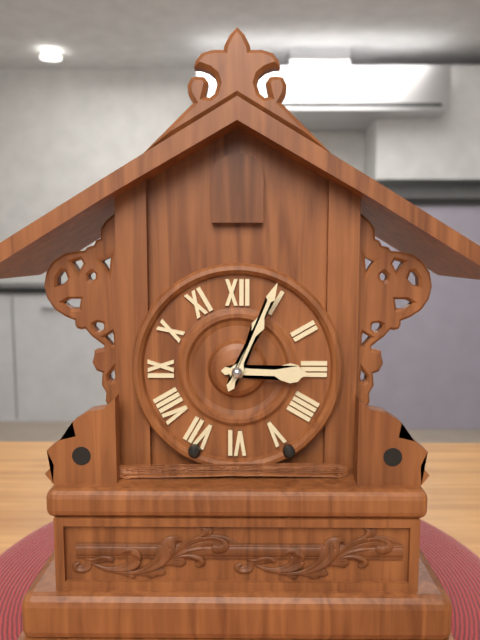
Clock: 3:04
